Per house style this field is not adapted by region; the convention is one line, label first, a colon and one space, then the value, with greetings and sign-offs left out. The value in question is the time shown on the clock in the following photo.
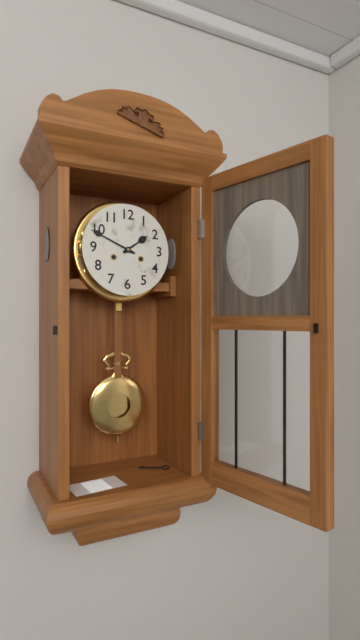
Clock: 1:49
